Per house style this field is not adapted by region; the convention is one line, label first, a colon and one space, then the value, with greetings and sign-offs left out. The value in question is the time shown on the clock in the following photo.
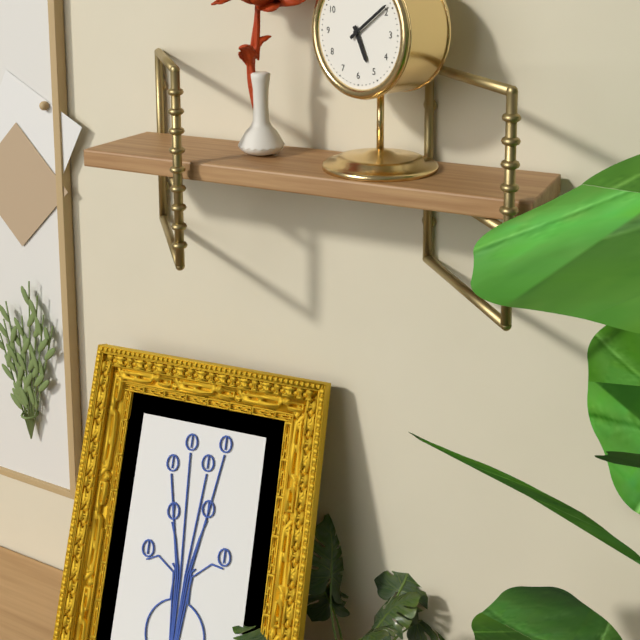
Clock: 5:09
